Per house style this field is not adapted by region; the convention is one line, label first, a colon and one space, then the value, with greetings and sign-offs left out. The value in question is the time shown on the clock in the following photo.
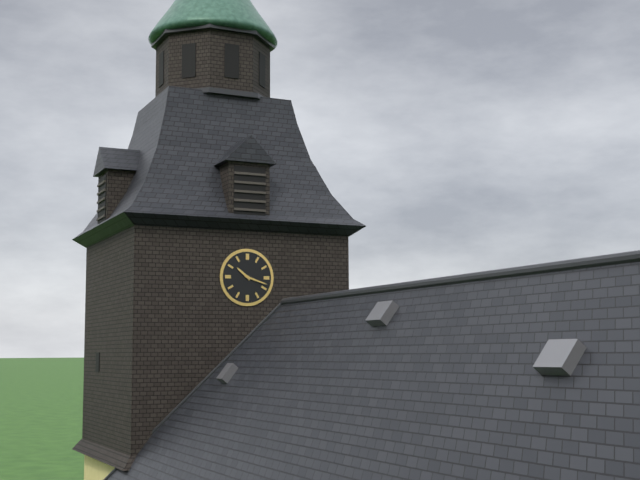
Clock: 10:18
